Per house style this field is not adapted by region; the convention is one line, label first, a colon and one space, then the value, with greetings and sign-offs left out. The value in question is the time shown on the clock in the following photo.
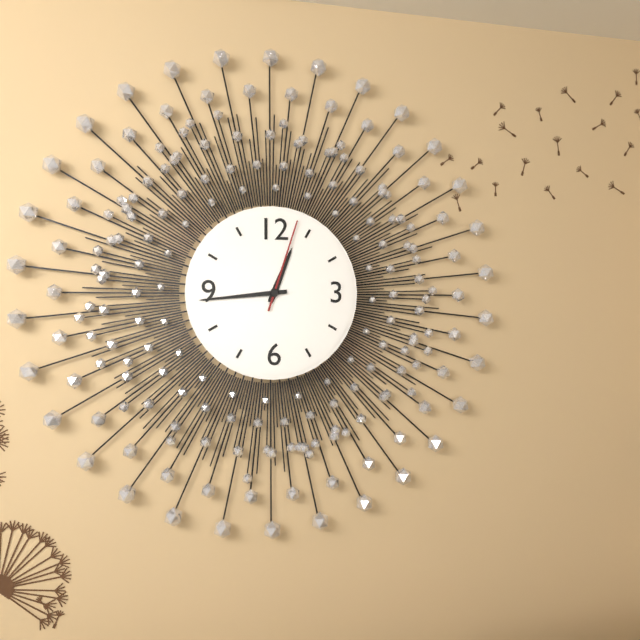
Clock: 12:44:03
